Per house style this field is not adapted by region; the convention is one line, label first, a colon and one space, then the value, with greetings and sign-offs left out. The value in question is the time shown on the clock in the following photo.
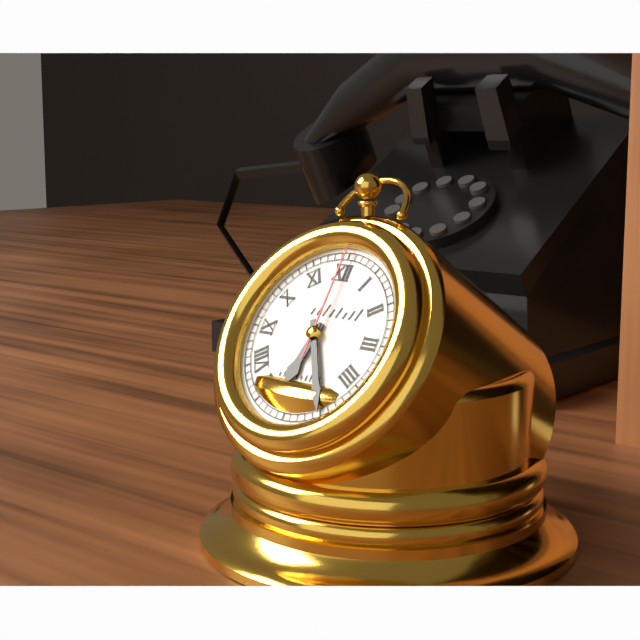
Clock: 6:25:00
